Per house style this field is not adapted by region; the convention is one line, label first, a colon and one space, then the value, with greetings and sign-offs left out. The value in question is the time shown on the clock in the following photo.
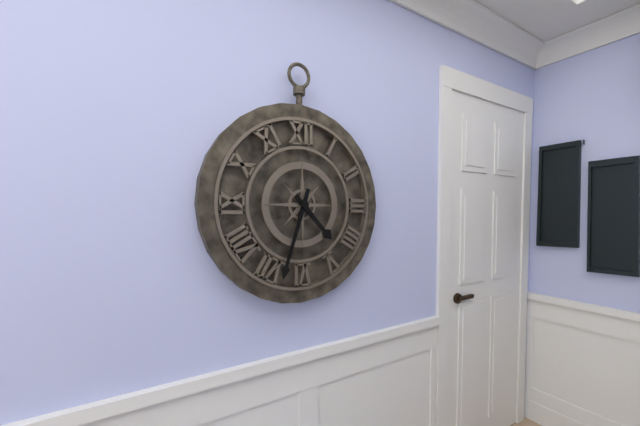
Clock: 4:33
